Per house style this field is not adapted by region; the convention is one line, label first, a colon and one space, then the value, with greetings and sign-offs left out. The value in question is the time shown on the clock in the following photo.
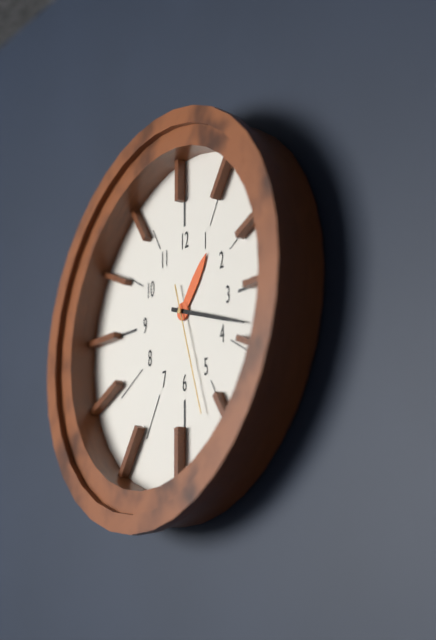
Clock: 1:18:27
